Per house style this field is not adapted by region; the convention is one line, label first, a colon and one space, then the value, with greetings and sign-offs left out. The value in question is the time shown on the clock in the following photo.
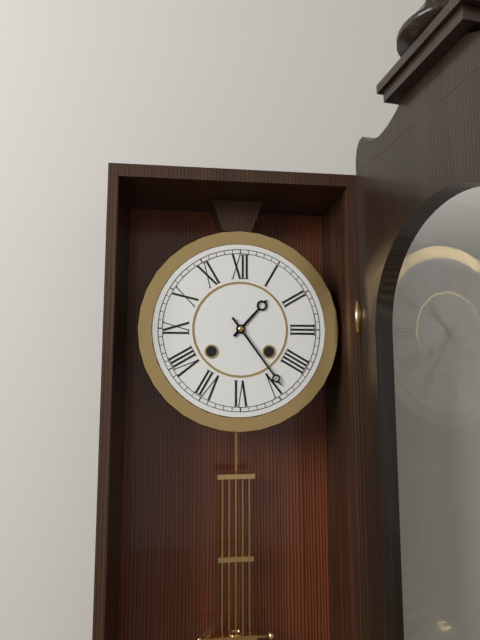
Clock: 1:24
